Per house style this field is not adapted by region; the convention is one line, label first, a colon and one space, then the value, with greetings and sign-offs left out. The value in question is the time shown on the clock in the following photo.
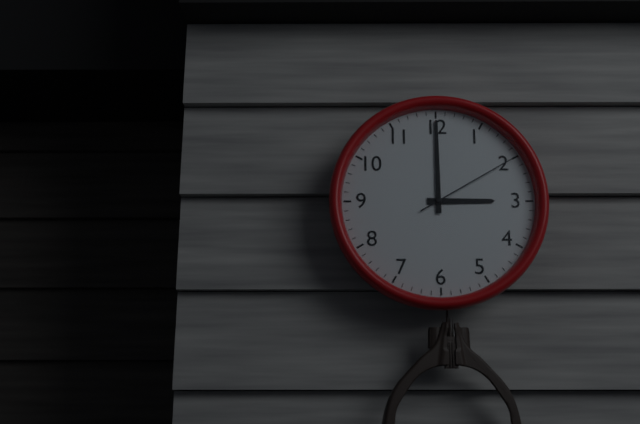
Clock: 3:00:10
